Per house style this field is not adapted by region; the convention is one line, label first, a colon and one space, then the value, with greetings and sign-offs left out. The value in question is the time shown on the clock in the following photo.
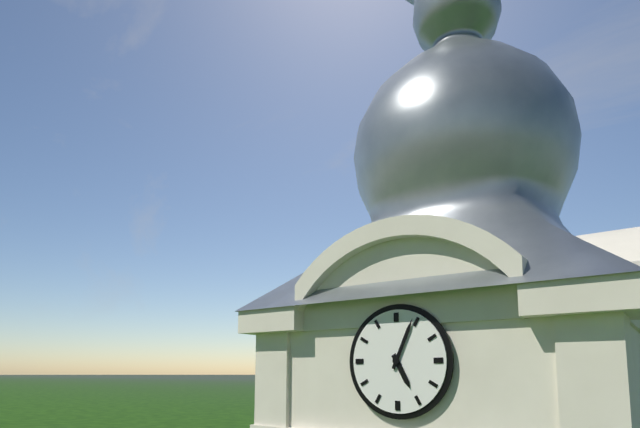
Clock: 5:04
